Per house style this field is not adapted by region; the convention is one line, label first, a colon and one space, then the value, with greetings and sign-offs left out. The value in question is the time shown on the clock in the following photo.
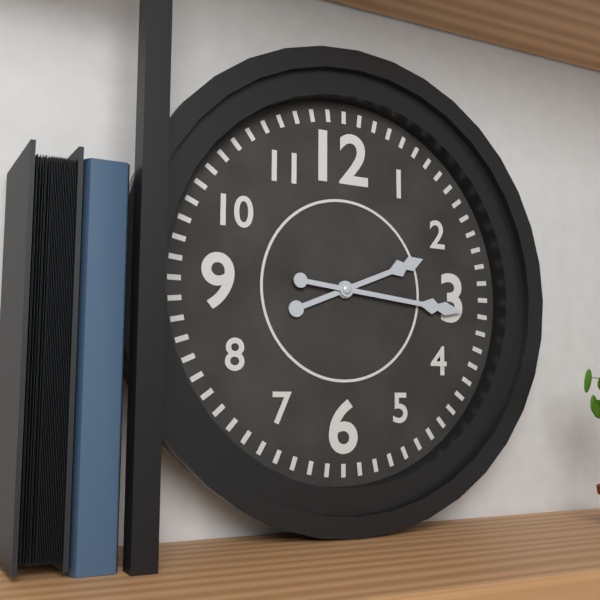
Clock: 2:16
